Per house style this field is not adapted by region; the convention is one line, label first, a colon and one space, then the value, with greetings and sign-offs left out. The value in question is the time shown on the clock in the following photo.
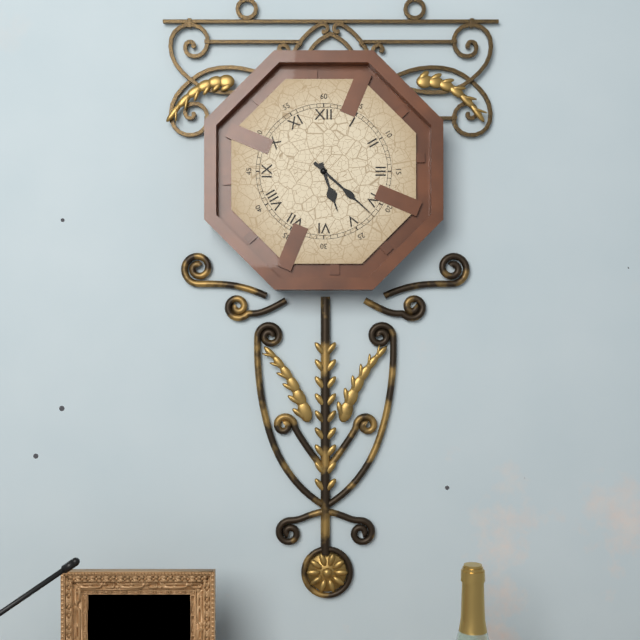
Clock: 5:22
